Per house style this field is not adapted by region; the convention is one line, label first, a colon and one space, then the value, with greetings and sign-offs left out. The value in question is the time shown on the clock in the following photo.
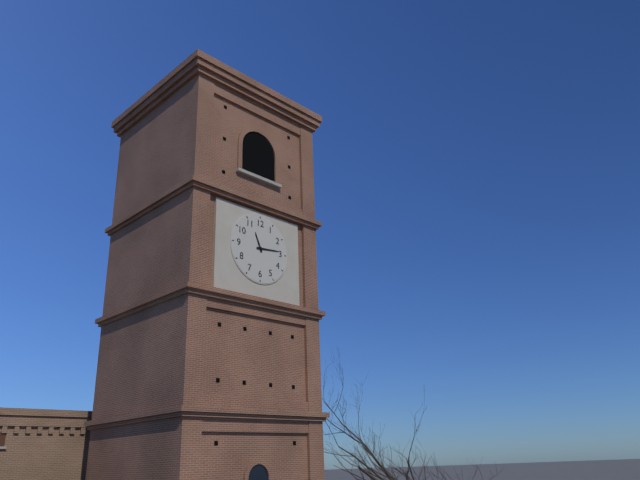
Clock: 11:14
